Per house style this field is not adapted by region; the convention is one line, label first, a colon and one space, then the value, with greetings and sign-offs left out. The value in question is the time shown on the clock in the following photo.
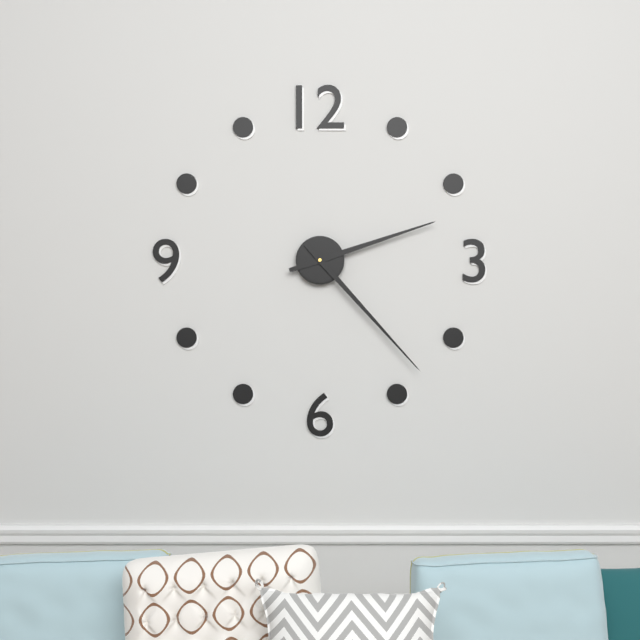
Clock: 2:23
